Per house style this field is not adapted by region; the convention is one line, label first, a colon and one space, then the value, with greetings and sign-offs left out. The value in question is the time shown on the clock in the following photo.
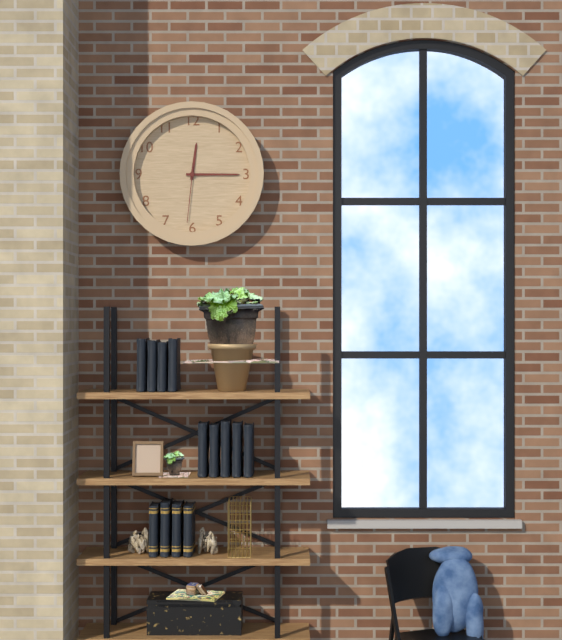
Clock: 12:15:31
